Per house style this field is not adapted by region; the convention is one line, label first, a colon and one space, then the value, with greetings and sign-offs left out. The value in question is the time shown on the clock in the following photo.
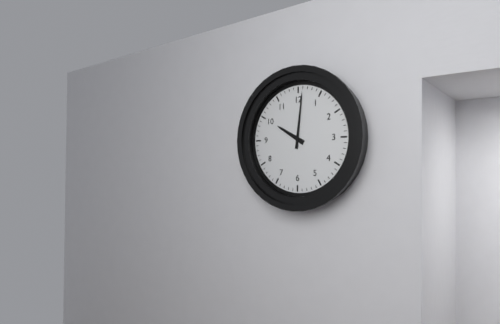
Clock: 10:01
